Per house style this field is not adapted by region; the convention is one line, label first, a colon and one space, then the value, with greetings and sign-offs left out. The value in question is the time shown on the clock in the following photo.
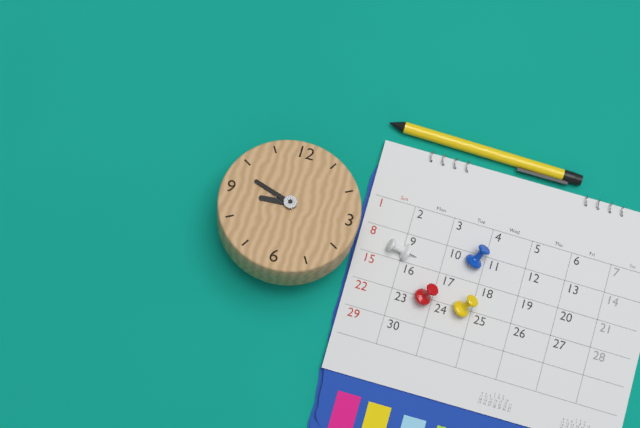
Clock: 8:48
